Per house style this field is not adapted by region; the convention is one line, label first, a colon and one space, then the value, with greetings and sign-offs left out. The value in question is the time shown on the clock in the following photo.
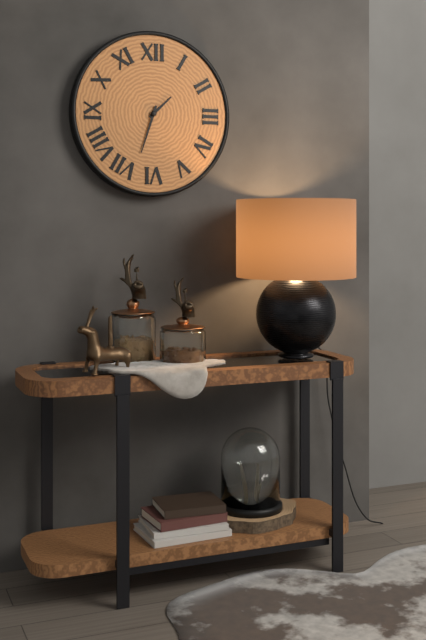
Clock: 1:33
